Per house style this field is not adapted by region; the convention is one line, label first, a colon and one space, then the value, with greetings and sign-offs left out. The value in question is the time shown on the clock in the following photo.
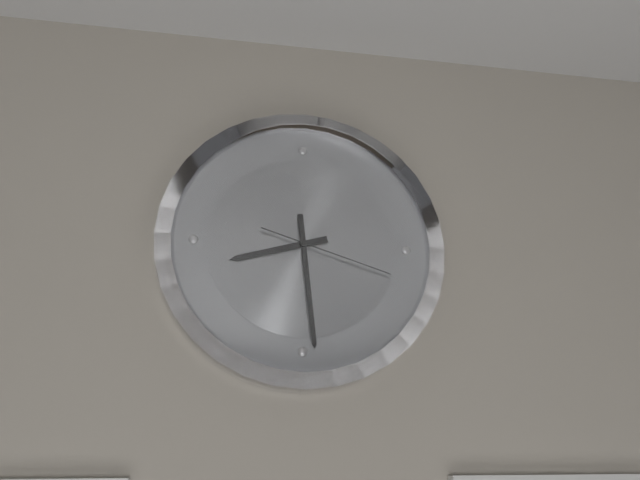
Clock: 8:29:18
